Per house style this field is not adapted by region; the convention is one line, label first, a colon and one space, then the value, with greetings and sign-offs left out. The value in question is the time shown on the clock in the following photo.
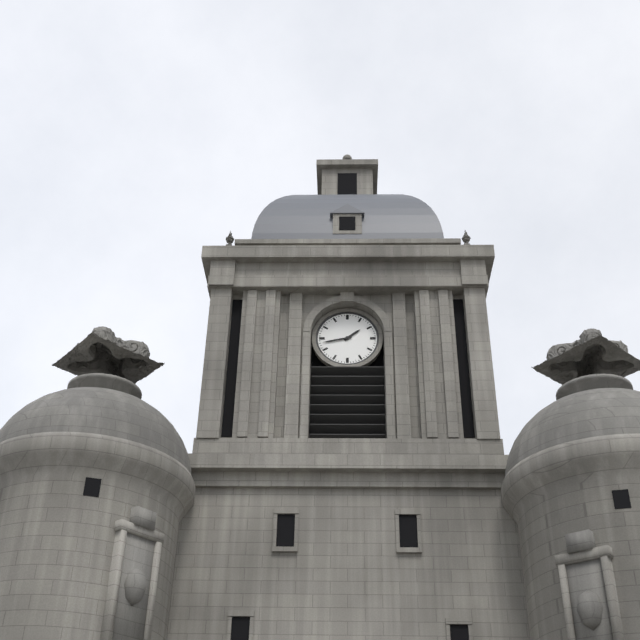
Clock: 1:43
